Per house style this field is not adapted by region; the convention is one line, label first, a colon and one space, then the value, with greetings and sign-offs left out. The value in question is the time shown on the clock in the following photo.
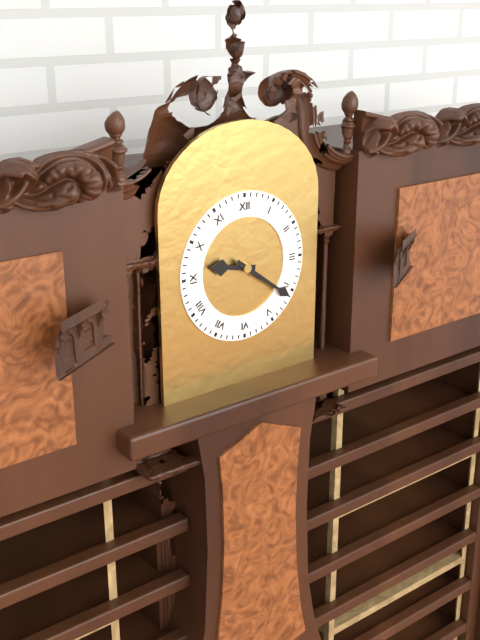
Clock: 9:21
